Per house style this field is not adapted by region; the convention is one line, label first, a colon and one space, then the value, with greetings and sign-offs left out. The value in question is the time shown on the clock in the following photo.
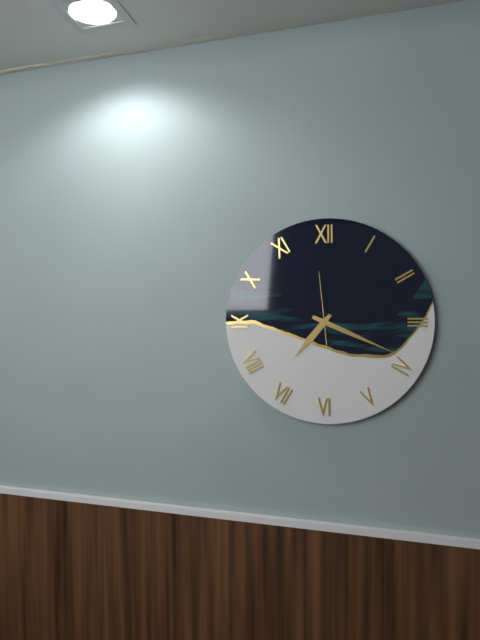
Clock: 7:19:59
